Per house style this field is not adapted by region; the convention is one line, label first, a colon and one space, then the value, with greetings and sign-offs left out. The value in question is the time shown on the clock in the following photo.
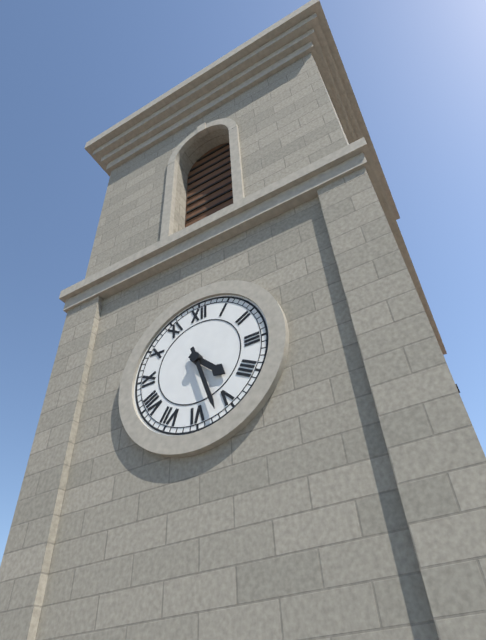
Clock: 4:27
